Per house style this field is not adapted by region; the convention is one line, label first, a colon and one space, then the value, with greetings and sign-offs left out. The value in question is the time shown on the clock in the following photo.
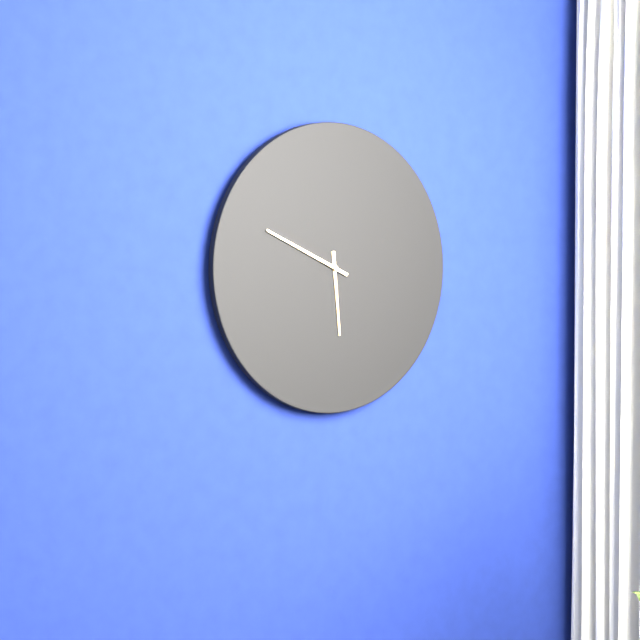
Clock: 5:49
